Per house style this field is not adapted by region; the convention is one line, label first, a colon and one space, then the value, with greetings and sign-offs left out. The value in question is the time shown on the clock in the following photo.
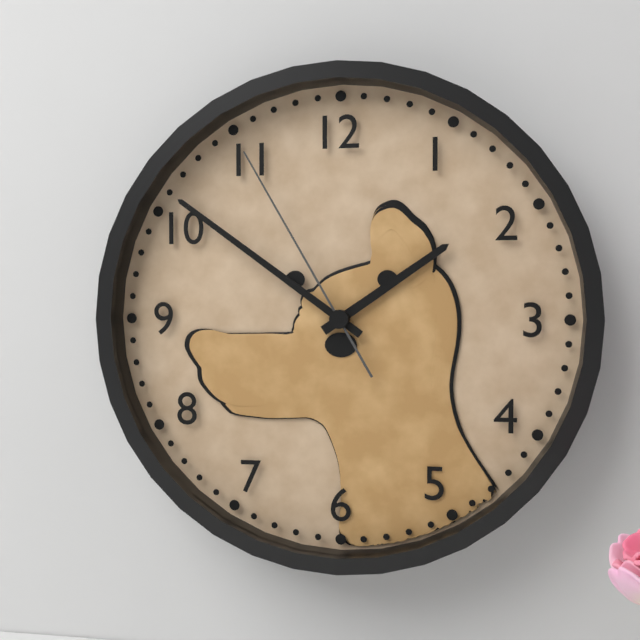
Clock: 1:51:55
